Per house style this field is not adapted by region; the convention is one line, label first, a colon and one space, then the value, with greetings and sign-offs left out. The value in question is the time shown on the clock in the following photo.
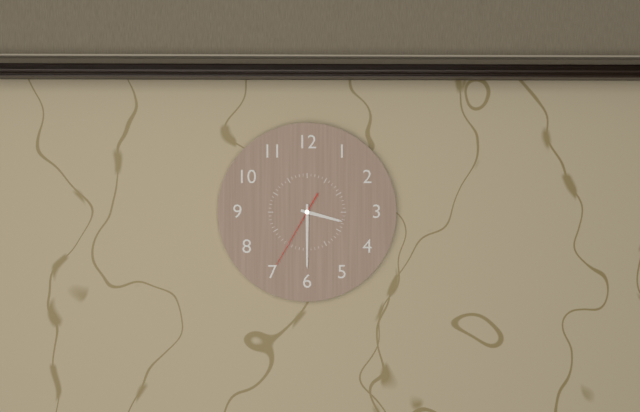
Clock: 3:30:35
